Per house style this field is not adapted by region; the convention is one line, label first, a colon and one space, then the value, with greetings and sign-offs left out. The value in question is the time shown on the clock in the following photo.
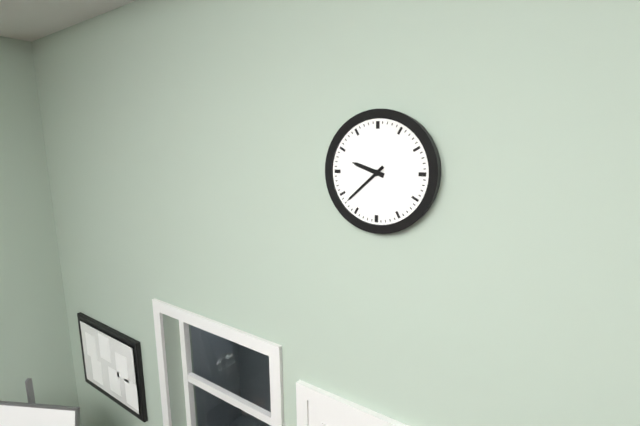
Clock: 9:38
